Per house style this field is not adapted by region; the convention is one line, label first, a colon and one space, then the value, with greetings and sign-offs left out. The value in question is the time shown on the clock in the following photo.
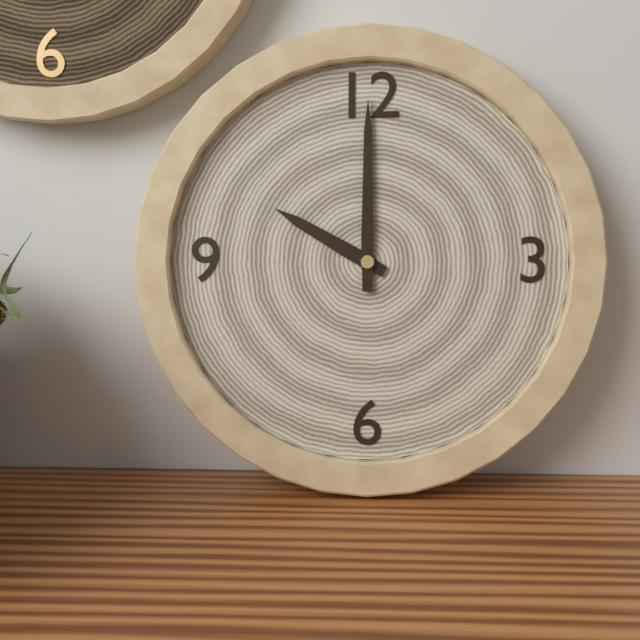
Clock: 10:00
